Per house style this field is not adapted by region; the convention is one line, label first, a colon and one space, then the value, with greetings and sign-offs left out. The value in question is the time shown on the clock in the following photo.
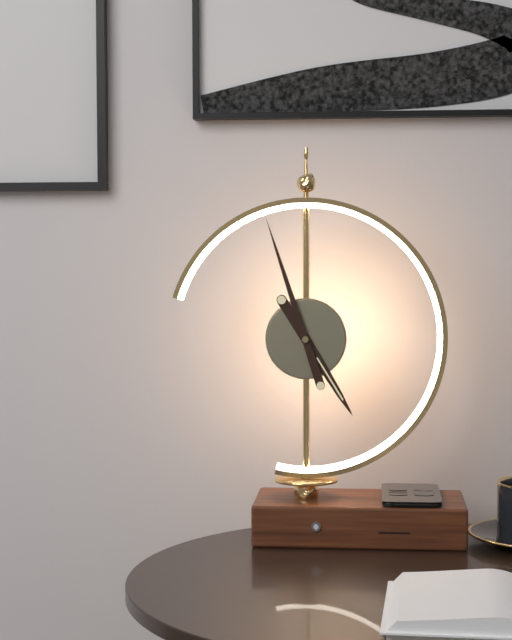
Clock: 4:57
